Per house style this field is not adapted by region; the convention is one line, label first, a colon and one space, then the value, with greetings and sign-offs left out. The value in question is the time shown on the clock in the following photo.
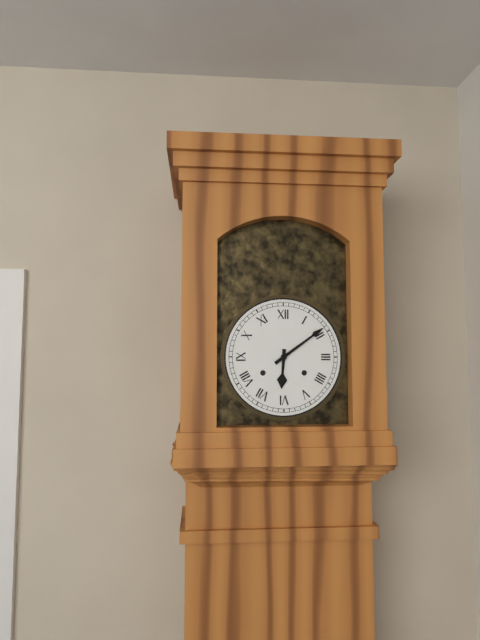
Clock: 6:09
